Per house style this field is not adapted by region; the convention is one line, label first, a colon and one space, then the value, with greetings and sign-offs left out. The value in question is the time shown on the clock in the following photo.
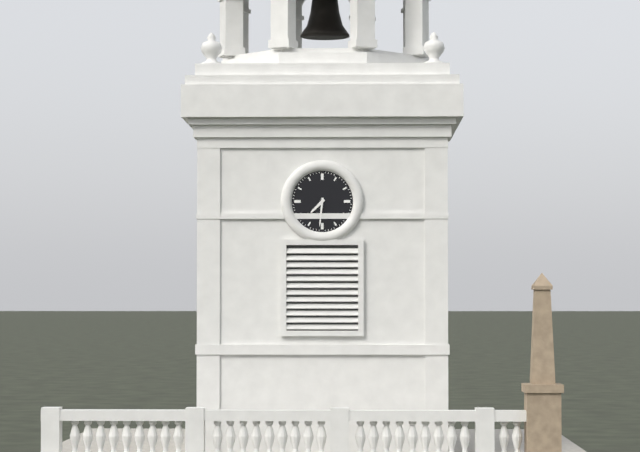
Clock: 7:31
